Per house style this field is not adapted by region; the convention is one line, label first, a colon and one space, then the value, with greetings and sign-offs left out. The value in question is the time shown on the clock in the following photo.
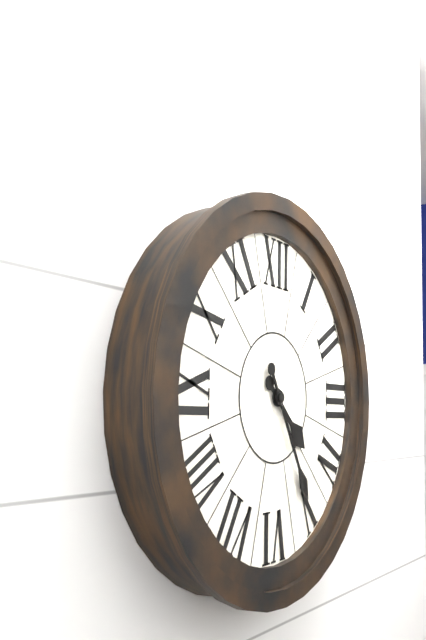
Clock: 4:25
